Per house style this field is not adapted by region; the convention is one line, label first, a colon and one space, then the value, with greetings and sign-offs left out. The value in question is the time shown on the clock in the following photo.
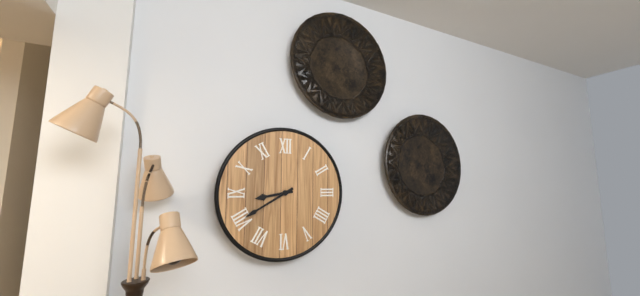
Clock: 8:40
